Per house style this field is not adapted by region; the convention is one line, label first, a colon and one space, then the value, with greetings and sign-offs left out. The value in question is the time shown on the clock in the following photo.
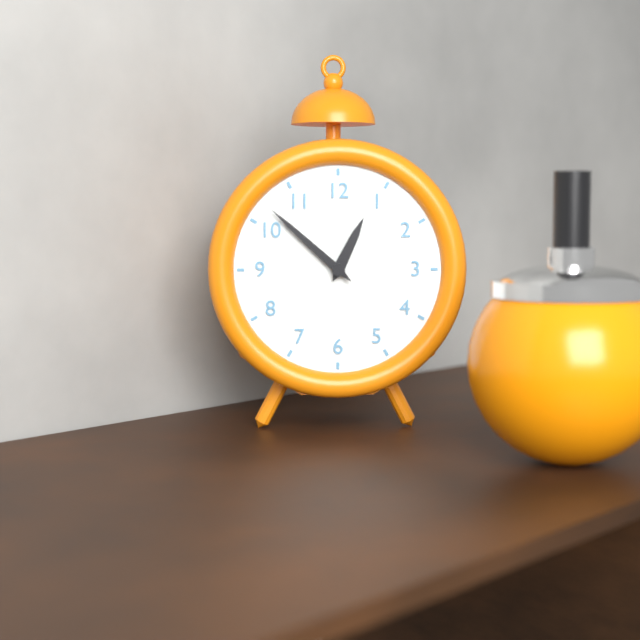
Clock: 12:52
